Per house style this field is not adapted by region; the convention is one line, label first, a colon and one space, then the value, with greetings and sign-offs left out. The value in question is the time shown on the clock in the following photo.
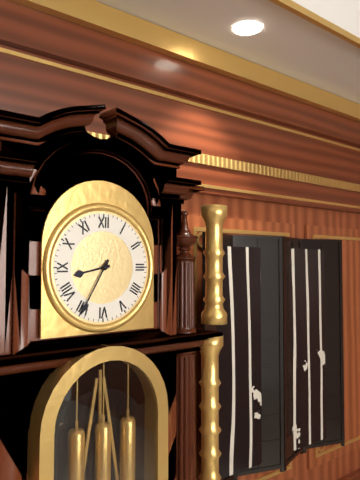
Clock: 8:35
